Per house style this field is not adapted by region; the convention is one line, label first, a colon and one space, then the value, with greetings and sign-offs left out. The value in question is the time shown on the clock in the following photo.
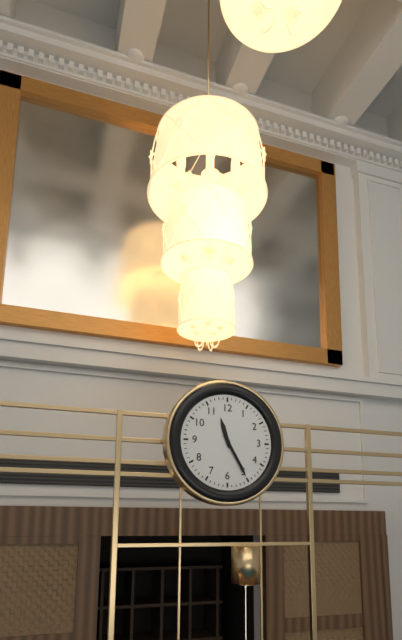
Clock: 11:25
